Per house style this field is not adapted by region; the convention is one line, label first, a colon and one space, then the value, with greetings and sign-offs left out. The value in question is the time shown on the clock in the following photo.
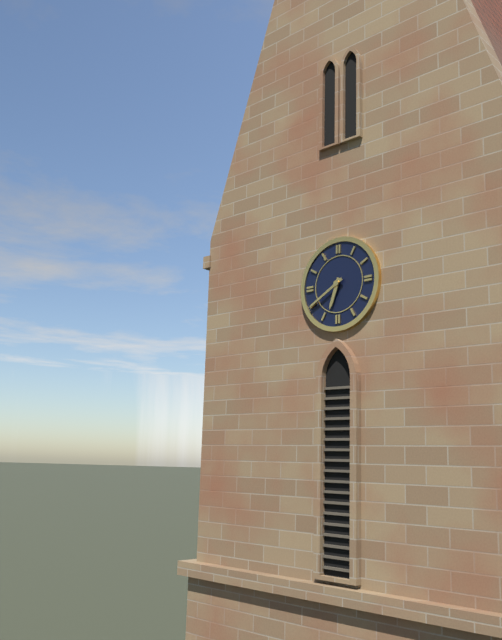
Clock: 6:40
